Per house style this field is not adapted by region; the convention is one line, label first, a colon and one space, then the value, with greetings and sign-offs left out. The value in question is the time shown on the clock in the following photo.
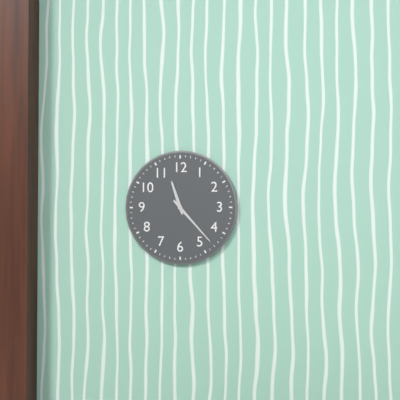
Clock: 11:23
